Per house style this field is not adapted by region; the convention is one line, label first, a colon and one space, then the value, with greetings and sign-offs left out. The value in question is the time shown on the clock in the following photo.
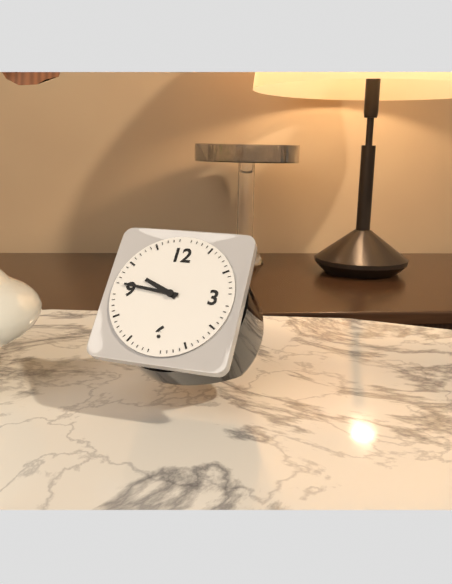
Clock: 9:46
